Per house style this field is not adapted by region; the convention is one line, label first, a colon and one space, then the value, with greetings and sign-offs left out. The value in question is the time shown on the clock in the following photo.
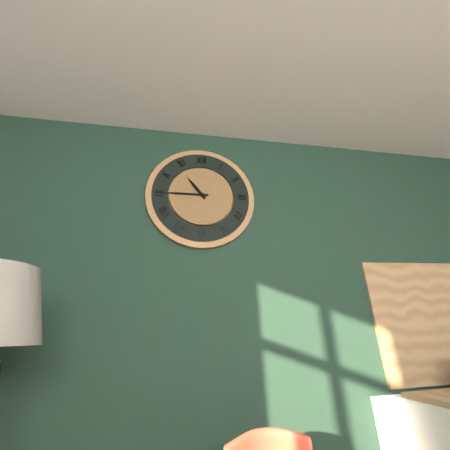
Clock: 10:45
